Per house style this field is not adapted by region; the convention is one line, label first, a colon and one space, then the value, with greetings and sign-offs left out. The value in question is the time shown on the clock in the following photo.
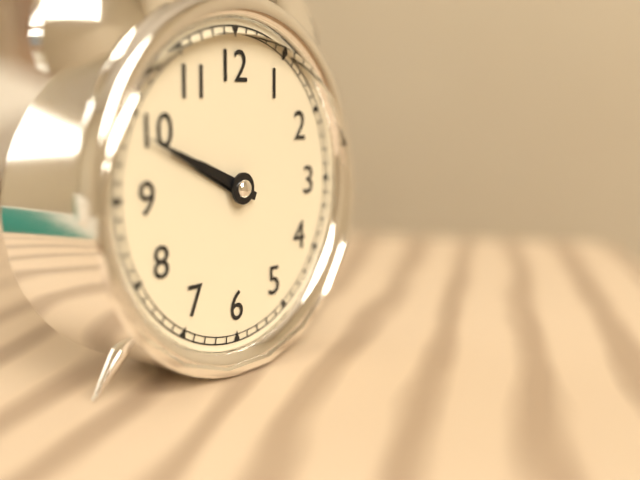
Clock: 9:49
